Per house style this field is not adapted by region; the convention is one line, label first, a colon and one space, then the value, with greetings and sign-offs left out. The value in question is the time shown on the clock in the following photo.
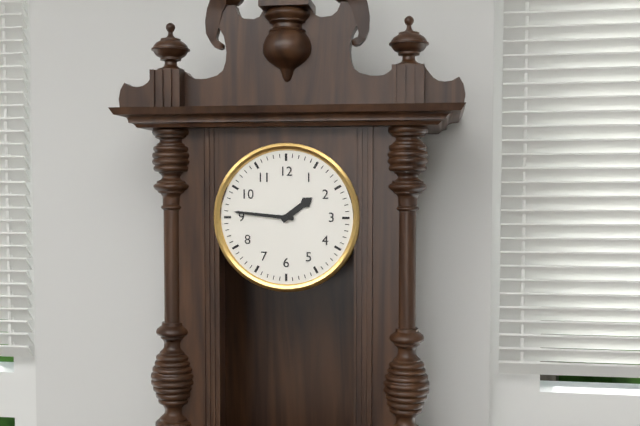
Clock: 1:46
